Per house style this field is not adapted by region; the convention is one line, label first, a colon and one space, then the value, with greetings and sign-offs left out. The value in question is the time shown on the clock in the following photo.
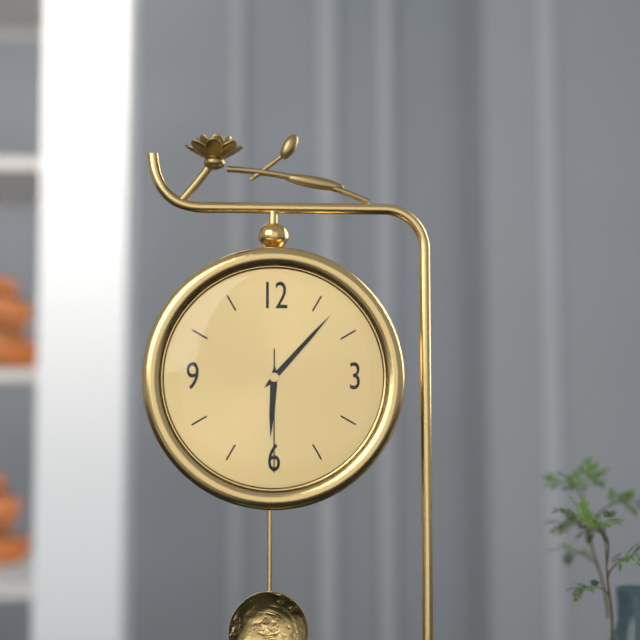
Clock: 6:07:30
